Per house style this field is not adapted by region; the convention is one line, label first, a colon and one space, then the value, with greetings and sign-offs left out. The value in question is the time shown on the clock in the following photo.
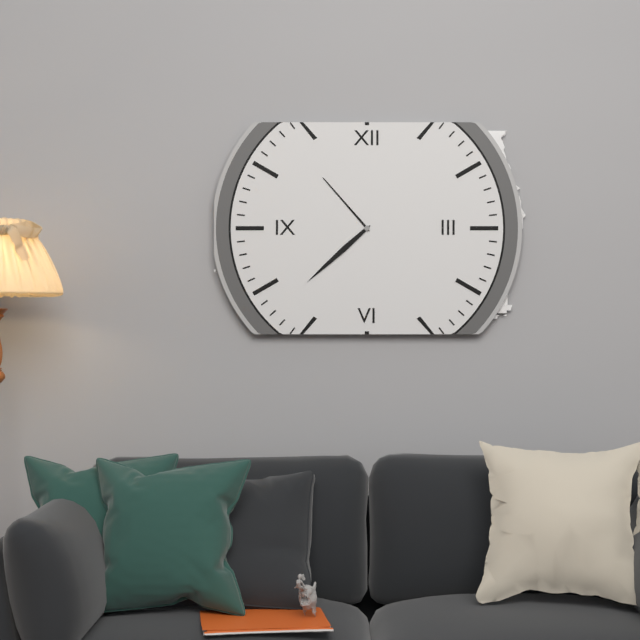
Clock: 10:38
